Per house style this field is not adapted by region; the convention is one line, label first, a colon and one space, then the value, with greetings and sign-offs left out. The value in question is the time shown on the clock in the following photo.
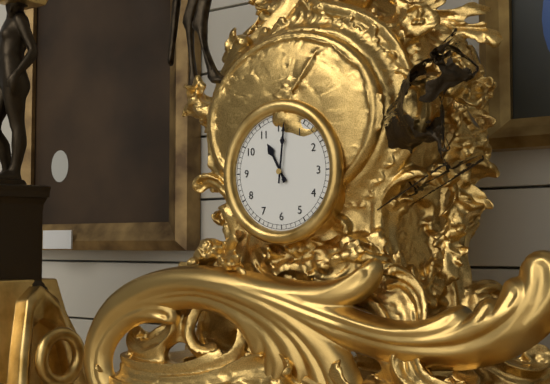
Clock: 11:01
